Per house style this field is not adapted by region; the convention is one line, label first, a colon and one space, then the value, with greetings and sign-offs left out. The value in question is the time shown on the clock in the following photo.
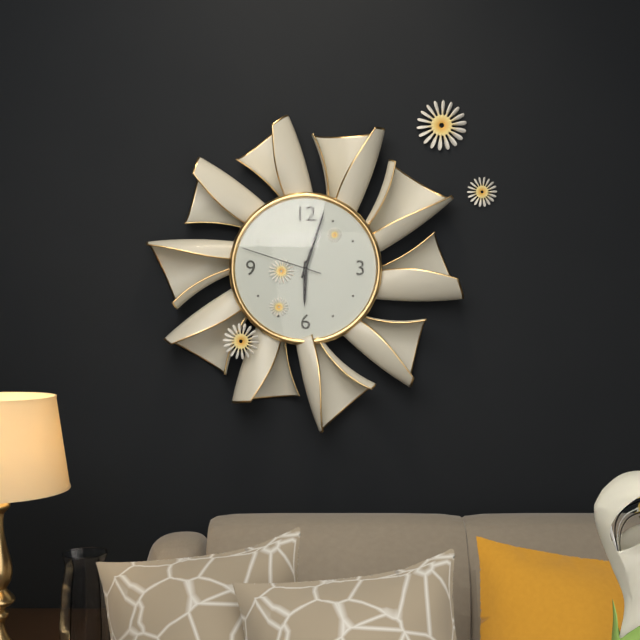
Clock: 6:03:48
